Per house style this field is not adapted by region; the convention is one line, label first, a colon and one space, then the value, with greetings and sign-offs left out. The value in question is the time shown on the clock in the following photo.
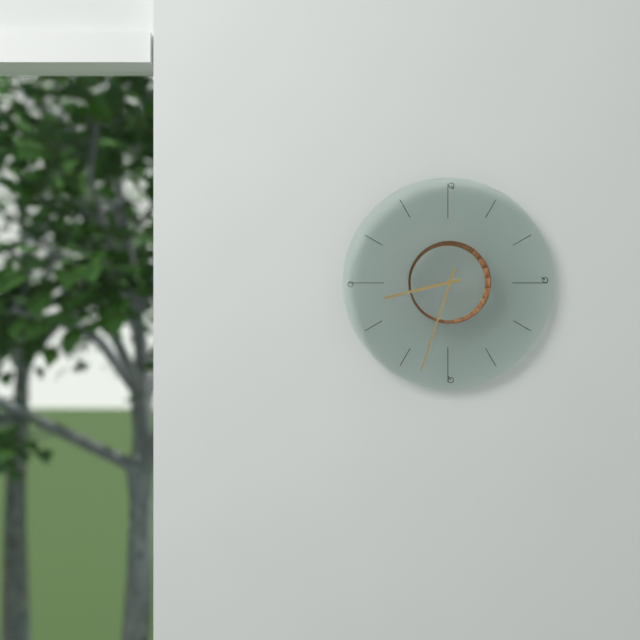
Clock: 8:33
